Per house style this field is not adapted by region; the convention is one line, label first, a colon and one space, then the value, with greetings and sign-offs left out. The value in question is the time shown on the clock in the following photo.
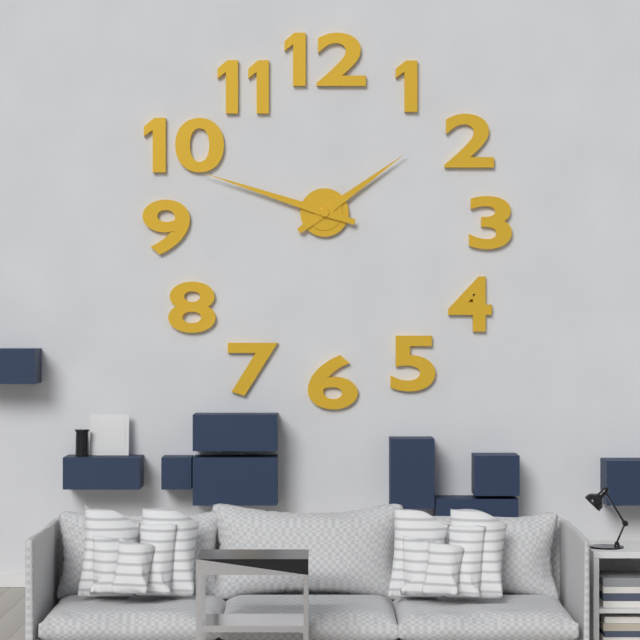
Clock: 1:48
